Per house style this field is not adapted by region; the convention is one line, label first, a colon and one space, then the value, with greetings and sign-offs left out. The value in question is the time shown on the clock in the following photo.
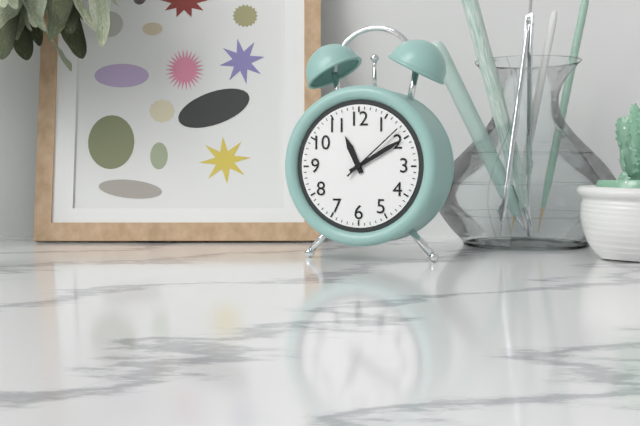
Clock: 11:10:08
